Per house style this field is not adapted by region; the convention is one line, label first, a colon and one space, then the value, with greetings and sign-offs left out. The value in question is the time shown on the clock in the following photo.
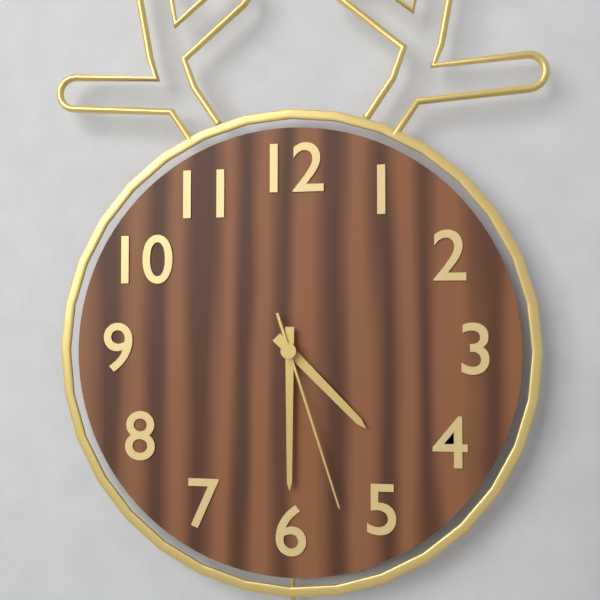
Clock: 4:30:27
